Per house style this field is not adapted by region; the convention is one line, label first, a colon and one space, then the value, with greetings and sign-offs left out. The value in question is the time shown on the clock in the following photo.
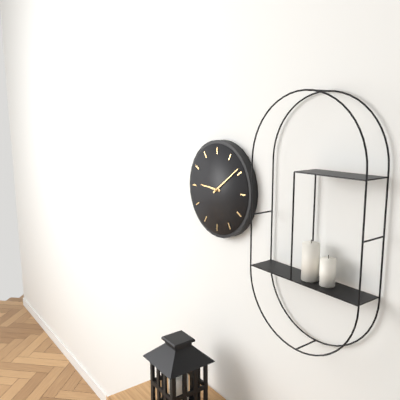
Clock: 9:09
